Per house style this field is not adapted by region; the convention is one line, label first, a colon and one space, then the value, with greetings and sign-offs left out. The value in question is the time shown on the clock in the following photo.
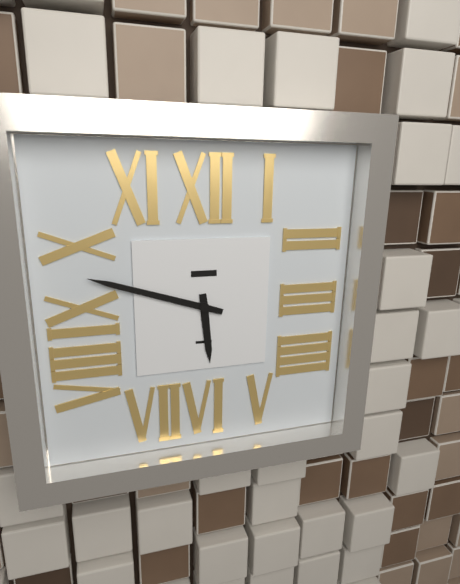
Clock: 5:48
